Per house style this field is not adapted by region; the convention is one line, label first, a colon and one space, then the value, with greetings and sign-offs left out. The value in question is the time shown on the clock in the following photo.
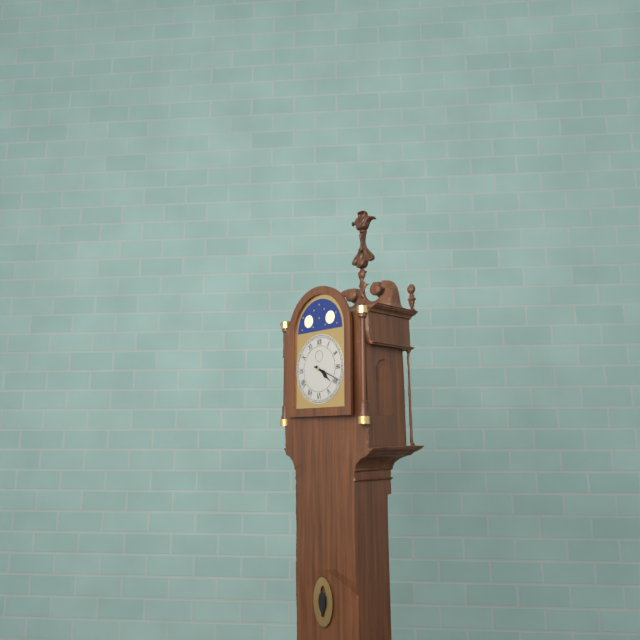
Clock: 4:19
